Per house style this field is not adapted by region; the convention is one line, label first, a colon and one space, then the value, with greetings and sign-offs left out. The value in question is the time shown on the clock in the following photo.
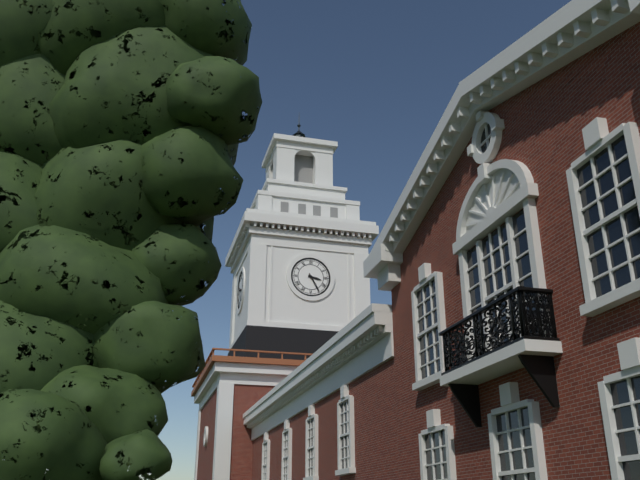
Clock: 3:25
